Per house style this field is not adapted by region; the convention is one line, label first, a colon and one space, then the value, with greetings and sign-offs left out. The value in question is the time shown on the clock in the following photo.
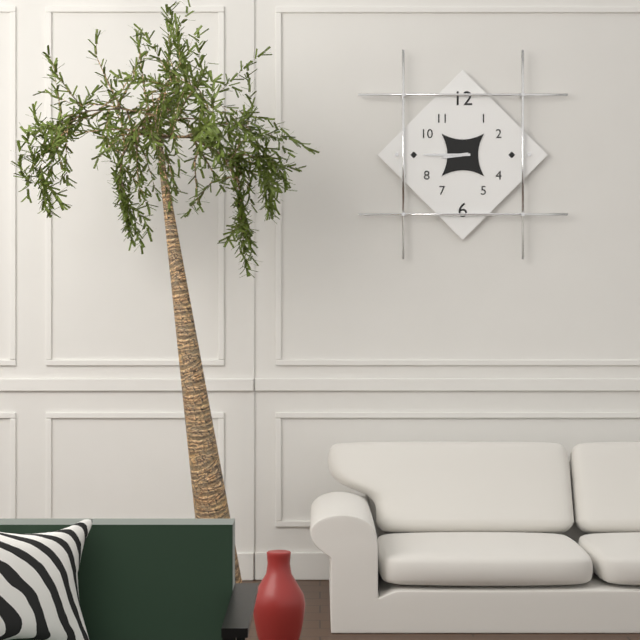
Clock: 8:45
